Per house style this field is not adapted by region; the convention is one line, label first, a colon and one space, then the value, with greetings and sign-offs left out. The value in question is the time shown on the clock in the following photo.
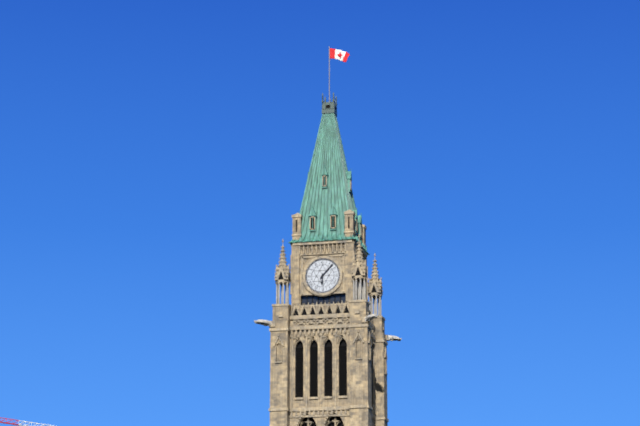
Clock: 6:07
